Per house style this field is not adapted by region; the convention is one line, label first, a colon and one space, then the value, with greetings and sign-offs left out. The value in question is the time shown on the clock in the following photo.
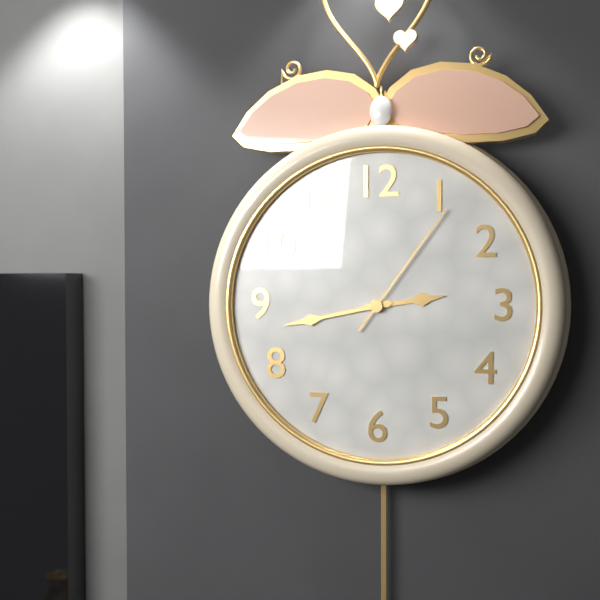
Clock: 2:43:06
